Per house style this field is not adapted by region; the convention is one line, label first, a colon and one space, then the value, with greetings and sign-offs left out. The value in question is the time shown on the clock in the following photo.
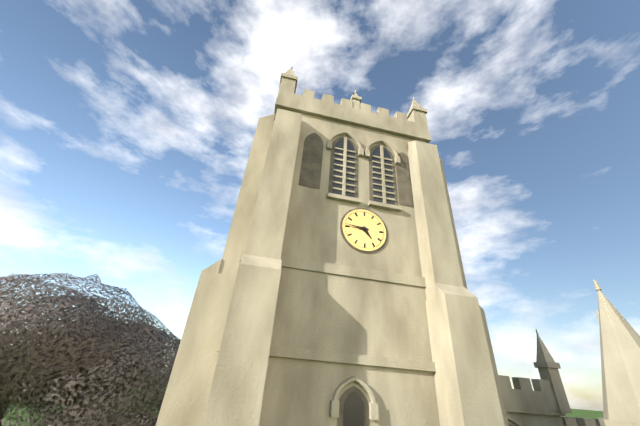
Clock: 4:46
